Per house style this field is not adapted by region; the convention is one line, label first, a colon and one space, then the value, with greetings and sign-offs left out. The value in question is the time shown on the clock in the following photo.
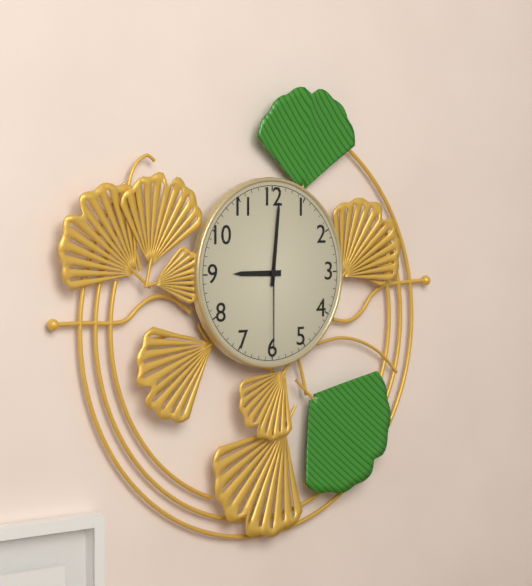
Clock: 9:01:30
